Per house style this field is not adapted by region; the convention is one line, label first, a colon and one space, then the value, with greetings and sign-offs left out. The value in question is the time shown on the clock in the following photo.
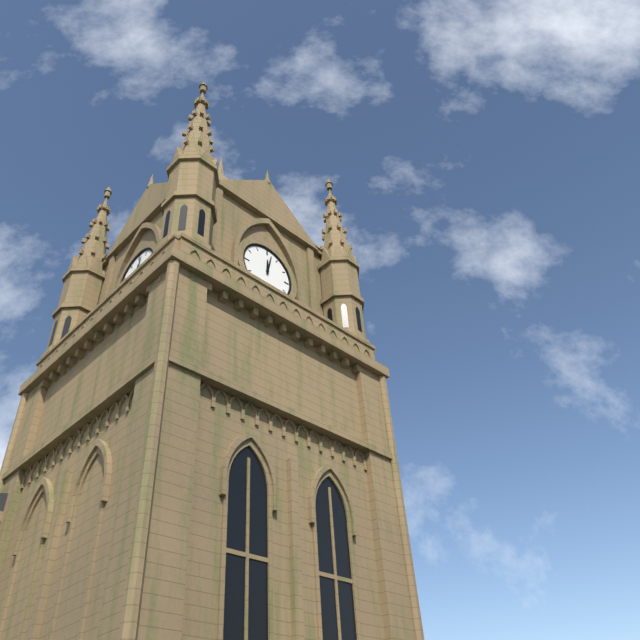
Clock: 12:02
